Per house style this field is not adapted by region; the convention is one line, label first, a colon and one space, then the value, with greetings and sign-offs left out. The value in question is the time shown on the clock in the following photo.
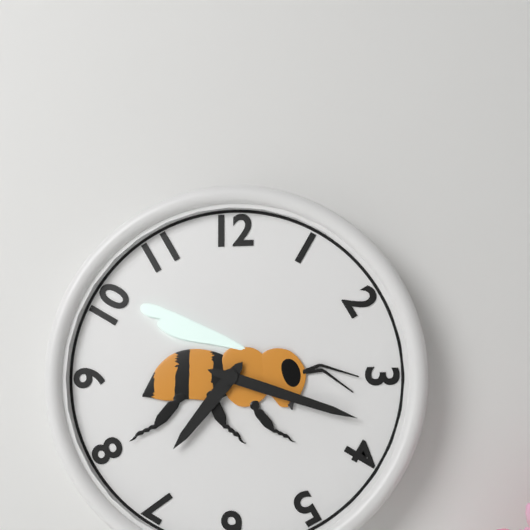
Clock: 7:18
